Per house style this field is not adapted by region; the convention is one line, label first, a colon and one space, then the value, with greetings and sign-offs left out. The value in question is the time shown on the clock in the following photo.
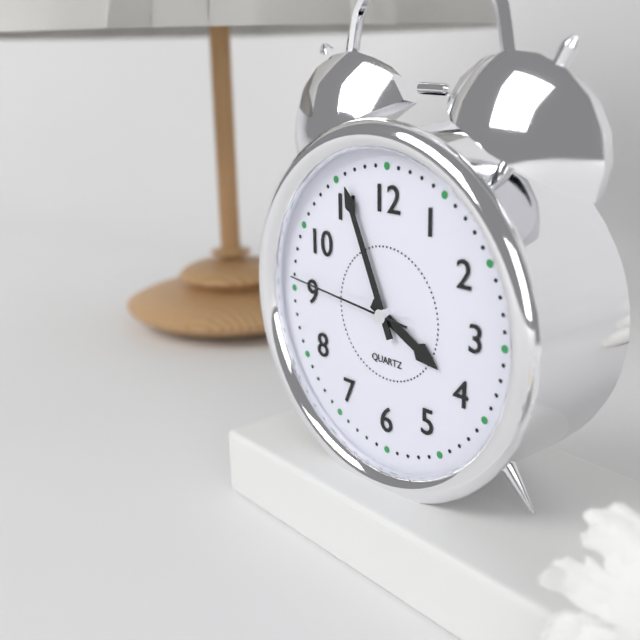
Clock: 3:56:46
